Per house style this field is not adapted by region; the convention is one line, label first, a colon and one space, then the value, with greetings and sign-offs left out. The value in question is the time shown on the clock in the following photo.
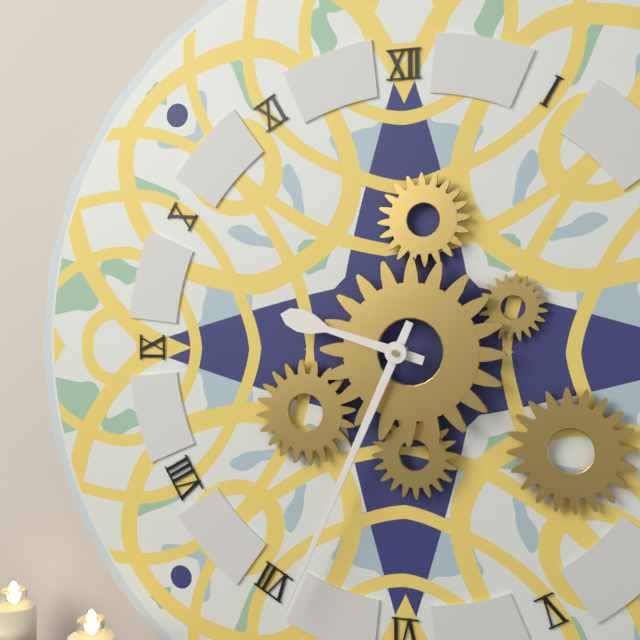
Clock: 9:34
